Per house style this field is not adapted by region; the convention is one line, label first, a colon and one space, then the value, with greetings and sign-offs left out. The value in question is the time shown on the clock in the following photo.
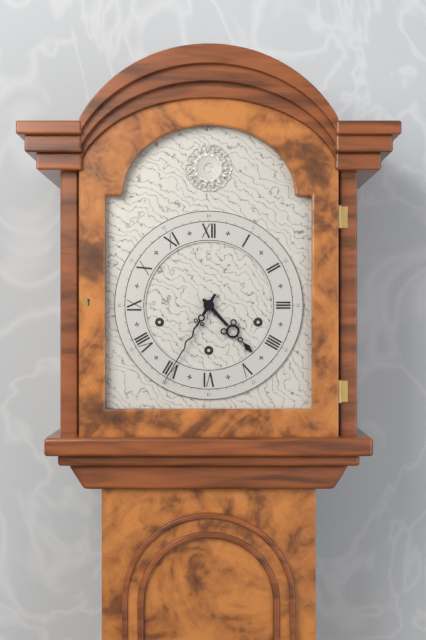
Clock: 4:35
